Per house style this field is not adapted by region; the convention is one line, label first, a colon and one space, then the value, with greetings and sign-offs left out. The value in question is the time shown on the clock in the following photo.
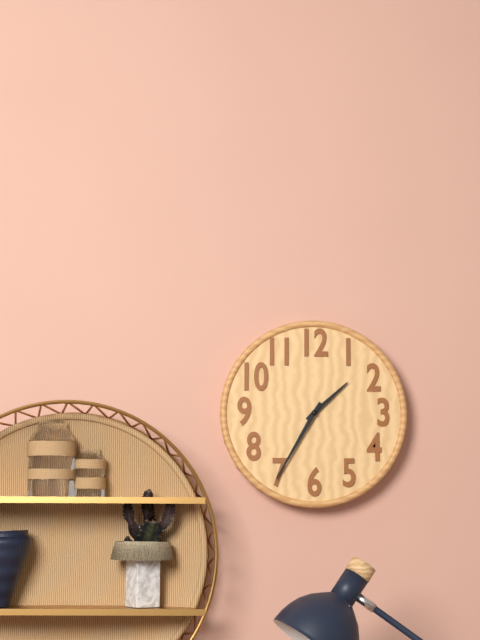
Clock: 1:35
